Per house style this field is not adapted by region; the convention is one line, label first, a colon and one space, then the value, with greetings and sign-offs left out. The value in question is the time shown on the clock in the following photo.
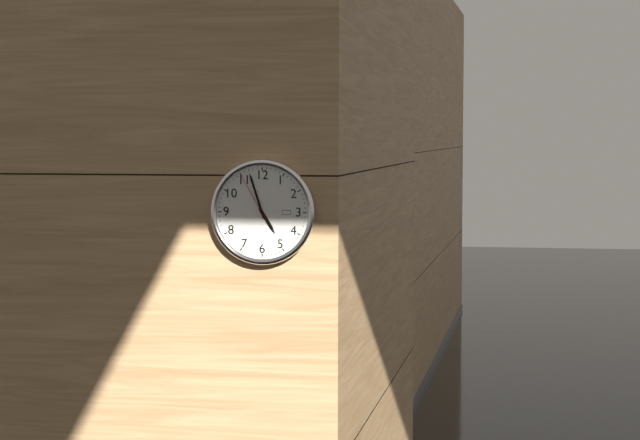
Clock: 4:57:55
